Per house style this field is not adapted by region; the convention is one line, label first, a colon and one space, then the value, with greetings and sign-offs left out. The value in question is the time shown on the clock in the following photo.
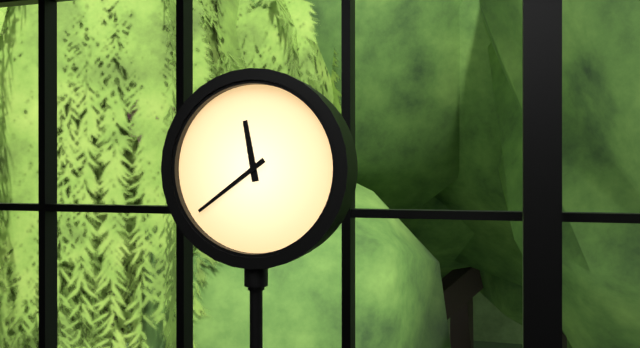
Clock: 11:39
